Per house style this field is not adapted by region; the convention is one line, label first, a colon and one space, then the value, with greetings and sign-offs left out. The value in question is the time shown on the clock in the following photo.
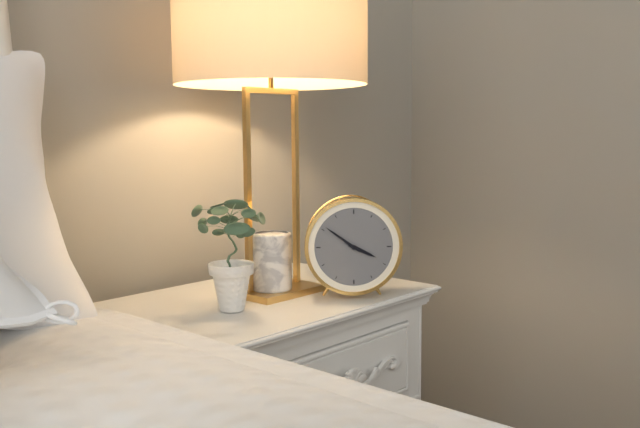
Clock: 3:51
